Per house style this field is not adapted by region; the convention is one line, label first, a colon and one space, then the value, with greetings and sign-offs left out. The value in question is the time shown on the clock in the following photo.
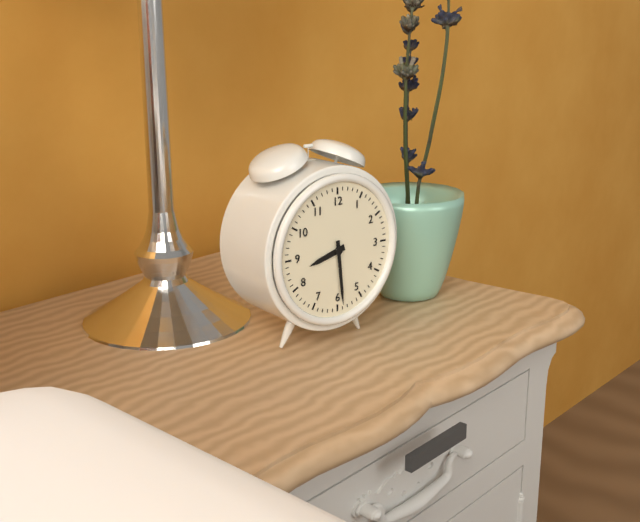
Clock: 8:29
